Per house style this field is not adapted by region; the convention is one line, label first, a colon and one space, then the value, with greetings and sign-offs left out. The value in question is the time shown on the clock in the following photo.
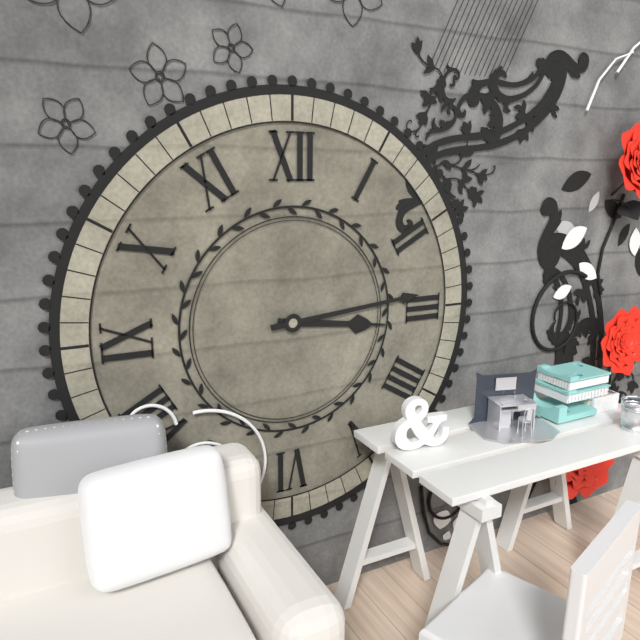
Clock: 3:14
